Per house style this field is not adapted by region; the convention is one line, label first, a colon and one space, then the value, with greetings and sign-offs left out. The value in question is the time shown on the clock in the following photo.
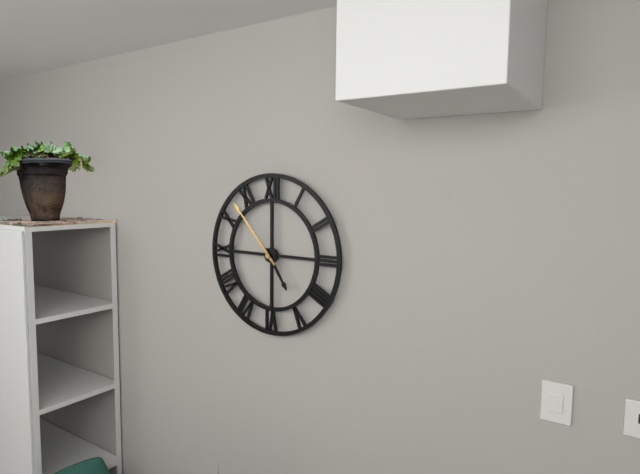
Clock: 4:53
